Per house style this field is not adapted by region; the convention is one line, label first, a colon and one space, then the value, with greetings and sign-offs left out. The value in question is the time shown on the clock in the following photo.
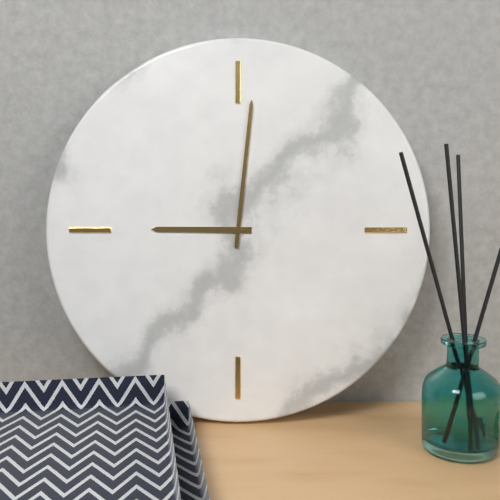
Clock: 9:01
